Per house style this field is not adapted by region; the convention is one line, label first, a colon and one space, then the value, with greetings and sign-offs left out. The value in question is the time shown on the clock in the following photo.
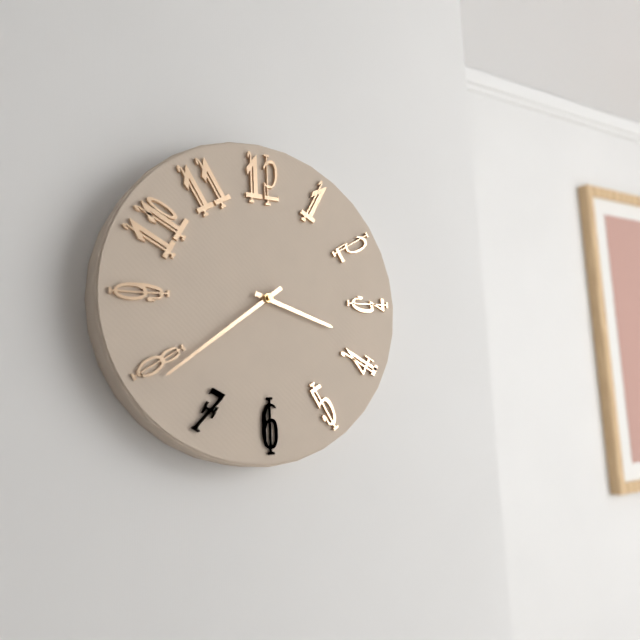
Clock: 3:39
